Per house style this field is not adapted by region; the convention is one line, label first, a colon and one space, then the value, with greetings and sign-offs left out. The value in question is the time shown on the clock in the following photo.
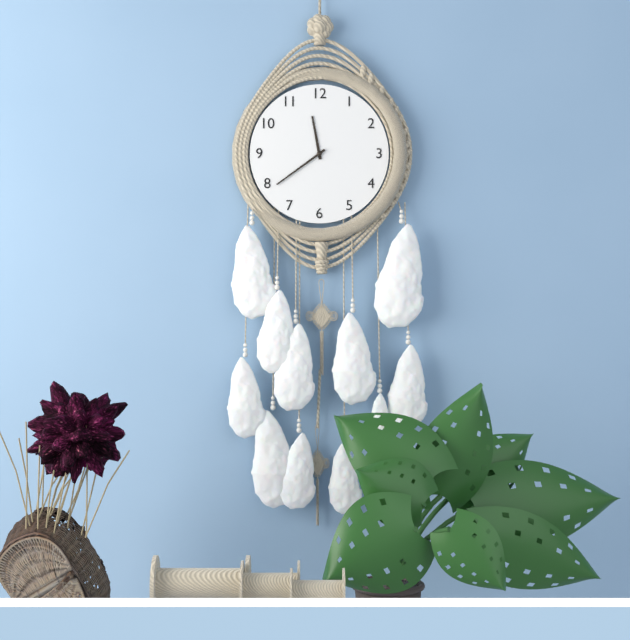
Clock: 11:39
